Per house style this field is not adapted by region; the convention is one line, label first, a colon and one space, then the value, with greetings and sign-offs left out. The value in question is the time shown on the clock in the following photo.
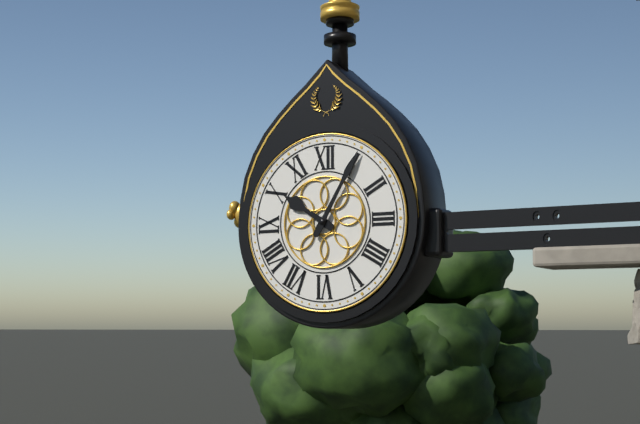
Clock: 10:05
